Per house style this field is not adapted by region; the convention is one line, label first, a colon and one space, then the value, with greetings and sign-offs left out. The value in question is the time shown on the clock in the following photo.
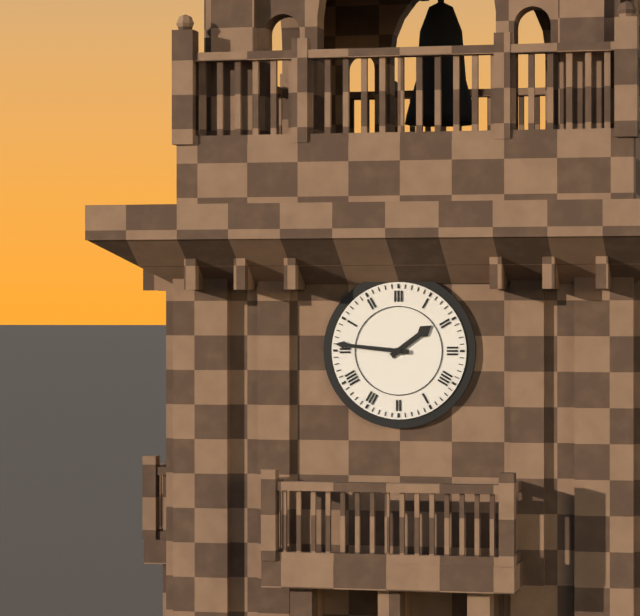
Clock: 1:46
